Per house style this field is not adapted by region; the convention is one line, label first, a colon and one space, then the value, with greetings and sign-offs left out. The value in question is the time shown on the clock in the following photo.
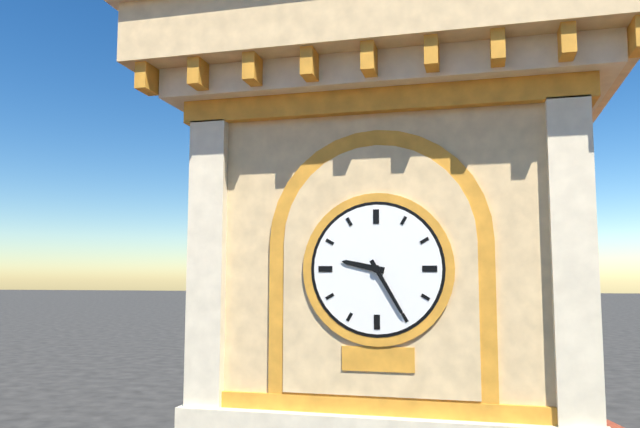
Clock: 9:25
